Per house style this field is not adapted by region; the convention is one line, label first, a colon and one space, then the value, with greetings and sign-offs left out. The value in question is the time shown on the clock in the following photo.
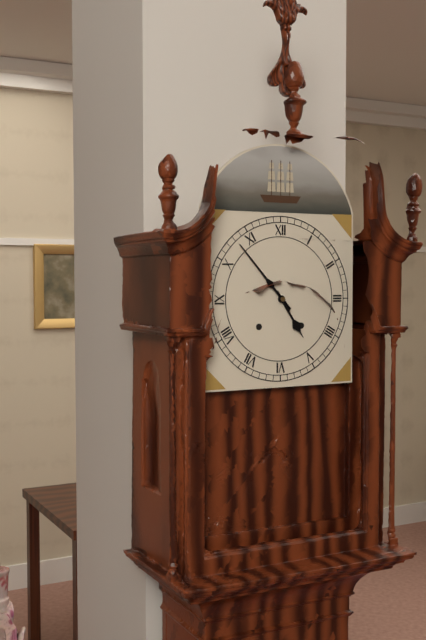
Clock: 4:53
